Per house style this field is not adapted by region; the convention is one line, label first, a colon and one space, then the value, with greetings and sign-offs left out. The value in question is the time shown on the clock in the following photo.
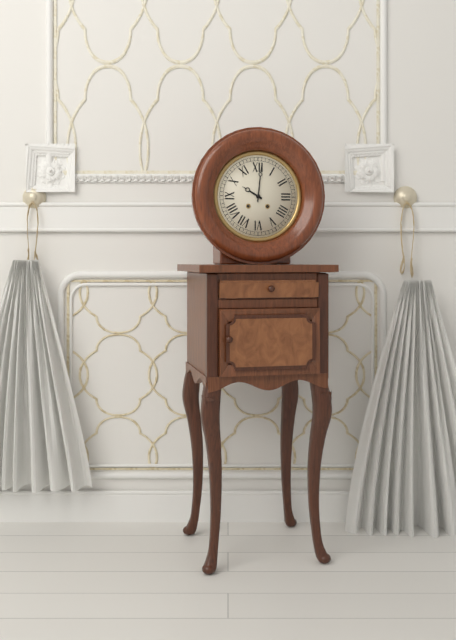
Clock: 10:01
